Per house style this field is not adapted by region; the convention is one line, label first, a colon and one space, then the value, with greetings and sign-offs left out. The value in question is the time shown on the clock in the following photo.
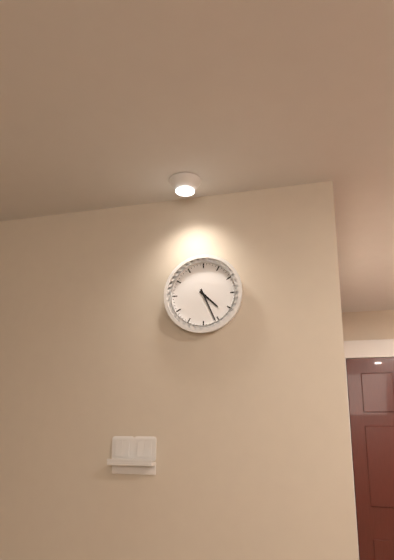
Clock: 4:26
